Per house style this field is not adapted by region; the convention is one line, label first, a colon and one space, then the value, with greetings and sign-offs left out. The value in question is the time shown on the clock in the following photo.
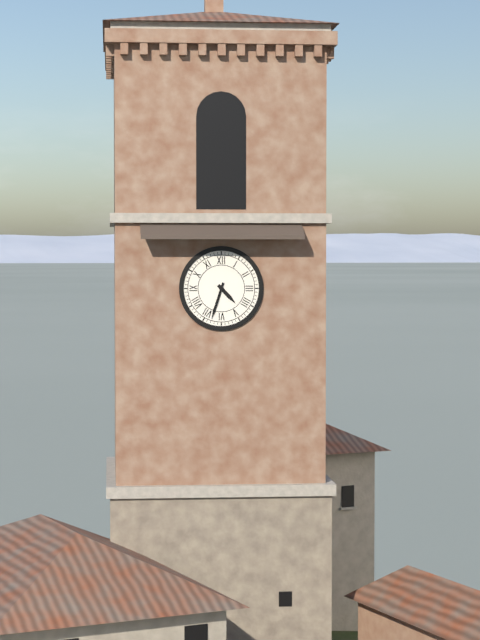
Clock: 4:33
